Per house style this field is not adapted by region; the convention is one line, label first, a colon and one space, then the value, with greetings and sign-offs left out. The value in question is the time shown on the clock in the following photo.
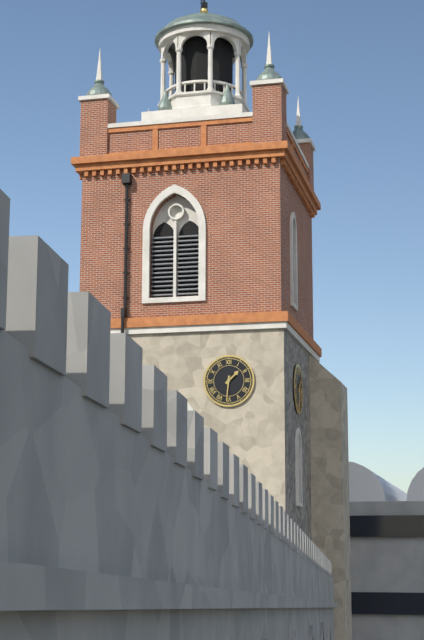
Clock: 1:31
